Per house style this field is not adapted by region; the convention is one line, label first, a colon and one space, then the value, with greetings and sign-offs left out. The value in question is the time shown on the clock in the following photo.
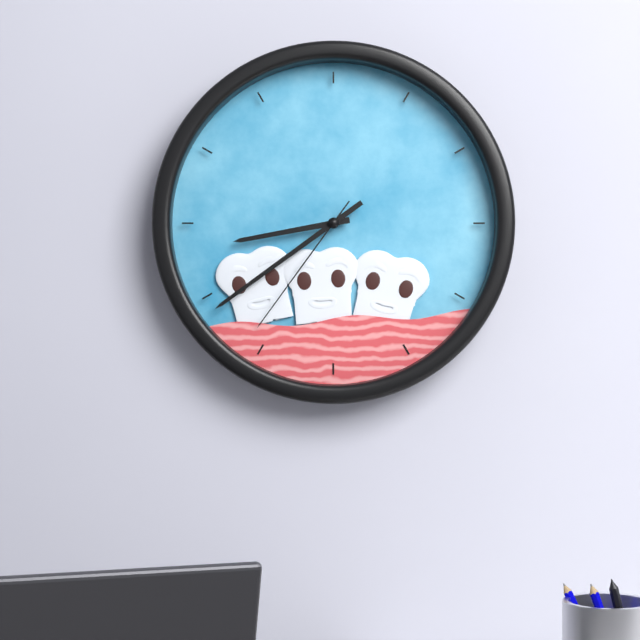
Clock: 8:39:36
